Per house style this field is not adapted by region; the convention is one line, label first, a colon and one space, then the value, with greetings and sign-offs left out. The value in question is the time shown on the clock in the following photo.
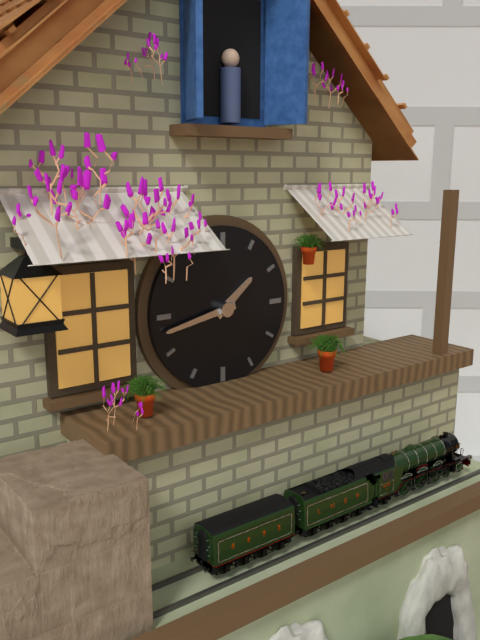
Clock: 1:43
